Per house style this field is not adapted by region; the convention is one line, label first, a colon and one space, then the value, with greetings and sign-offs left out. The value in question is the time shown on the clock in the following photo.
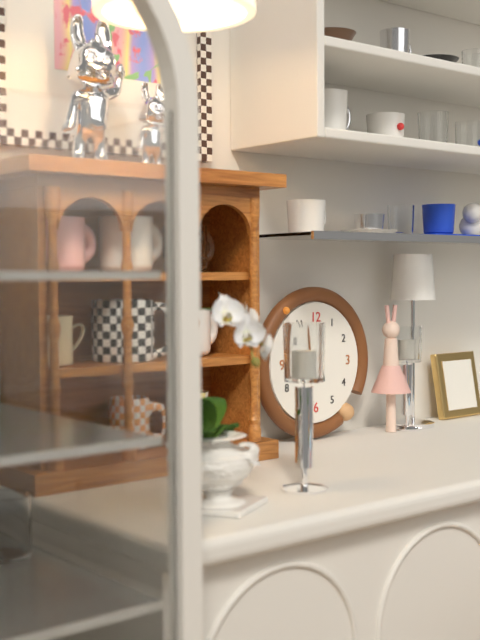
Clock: 4:58
